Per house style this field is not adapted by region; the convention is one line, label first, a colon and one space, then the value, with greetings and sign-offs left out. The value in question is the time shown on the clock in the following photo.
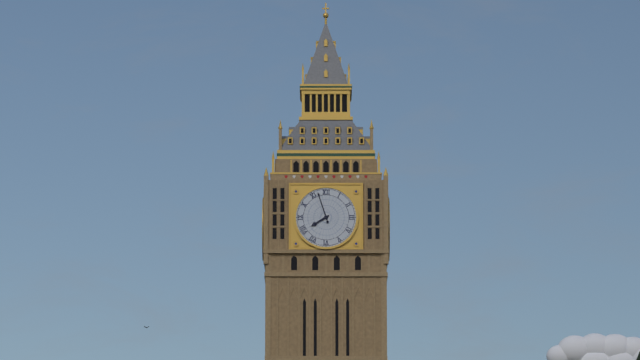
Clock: 7:57
